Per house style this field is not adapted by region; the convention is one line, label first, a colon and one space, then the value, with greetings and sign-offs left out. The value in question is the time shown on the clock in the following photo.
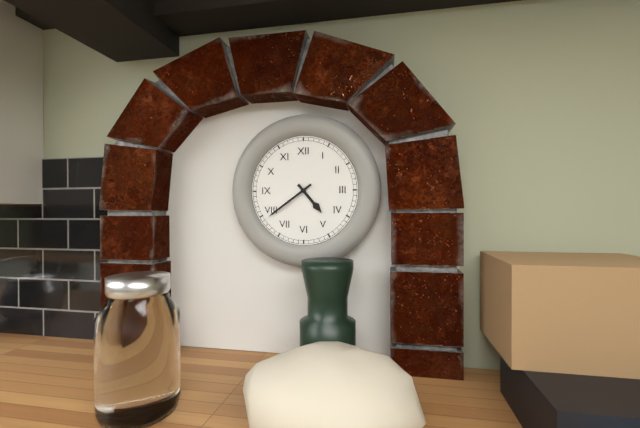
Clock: 4:39
